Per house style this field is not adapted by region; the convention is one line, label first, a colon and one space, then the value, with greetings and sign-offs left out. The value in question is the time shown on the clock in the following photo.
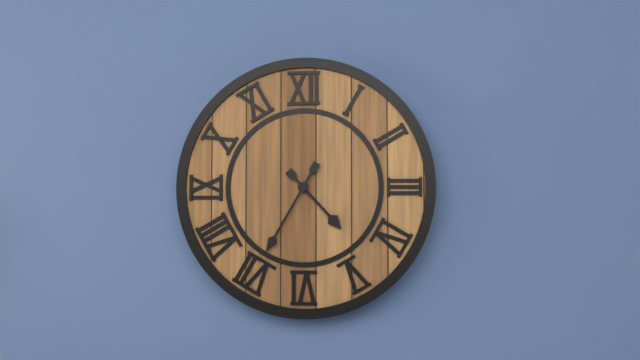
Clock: 4:35
